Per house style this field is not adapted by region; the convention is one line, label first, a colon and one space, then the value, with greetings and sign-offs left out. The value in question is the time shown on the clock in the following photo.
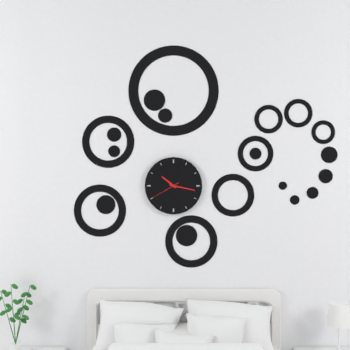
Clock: 10:17
